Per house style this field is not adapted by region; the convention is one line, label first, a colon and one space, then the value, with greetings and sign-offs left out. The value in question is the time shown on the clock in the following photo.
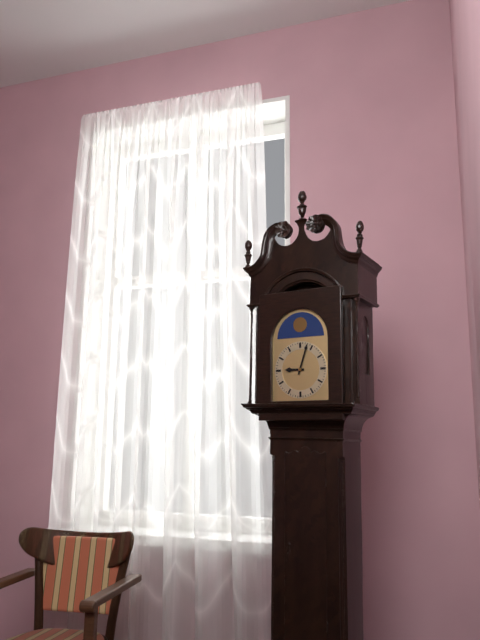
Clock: 9:03
